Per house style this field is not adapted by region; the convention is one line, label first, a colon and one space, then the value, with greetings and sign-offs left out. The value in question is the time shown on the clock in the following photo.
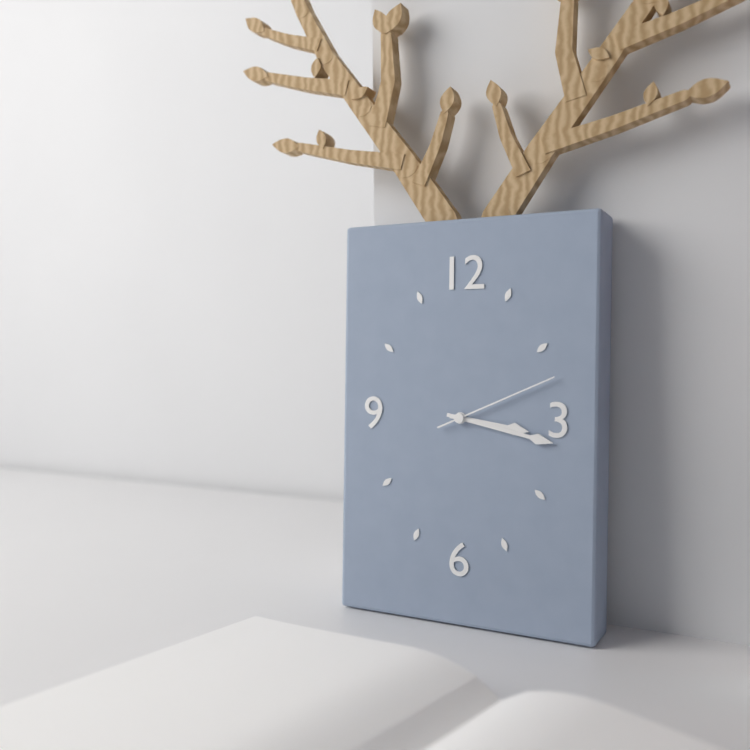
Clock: 3:17:11
